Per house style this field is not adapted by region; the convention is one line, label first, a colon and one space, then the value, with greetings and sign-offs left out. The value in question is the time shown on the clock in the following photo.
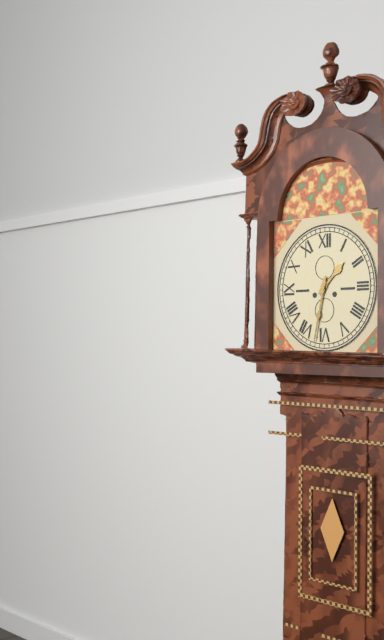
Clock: 1:32
